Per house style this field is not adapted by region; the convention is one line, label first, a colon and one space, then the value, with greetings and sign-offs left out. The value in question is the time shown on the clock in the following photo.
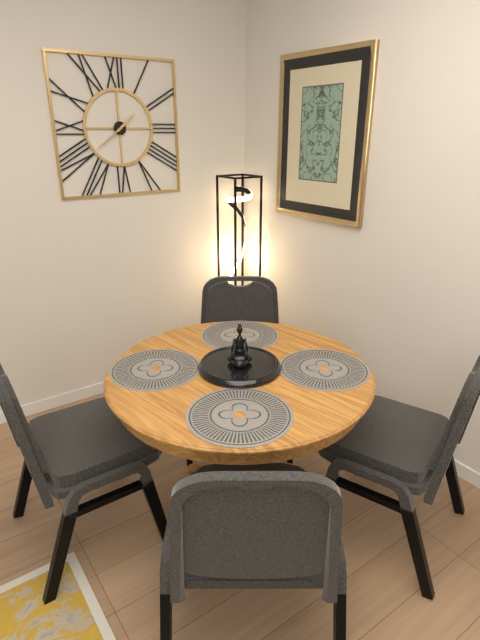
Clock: 1:39
